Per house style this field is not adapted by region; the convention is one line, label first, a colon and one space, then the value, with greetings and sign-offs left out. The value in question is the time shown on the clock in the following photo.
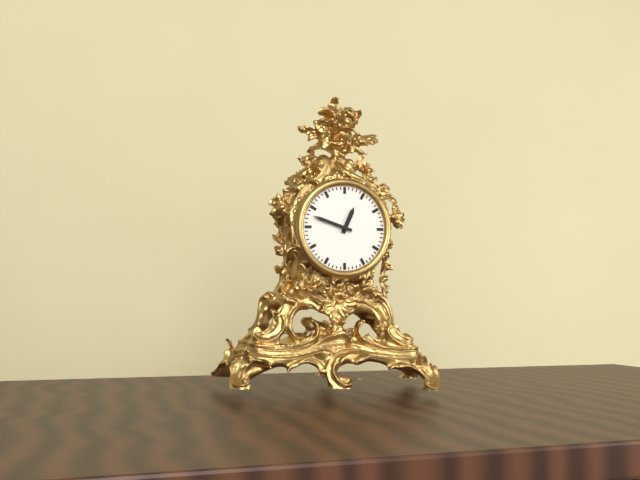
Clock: 12:48
